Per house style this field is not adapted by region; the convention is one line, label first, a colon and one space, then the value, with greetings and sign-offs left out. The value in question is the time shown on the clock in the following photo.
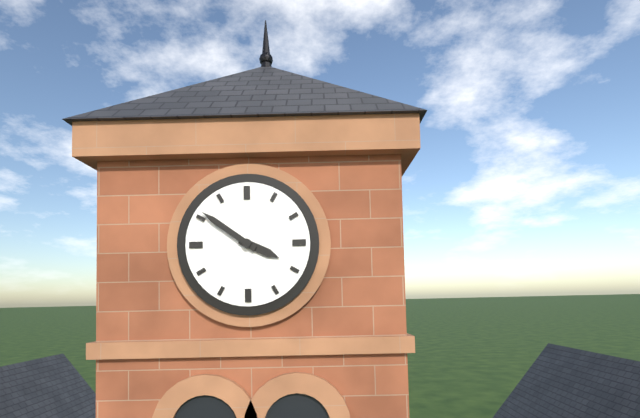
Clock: 3:51
